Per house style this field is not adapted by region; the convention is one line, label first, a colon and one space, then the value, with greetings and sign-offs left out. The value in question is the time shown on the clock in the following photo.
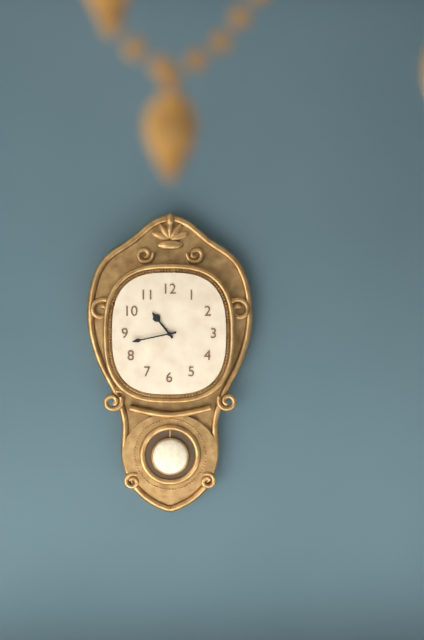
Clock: 10:43
